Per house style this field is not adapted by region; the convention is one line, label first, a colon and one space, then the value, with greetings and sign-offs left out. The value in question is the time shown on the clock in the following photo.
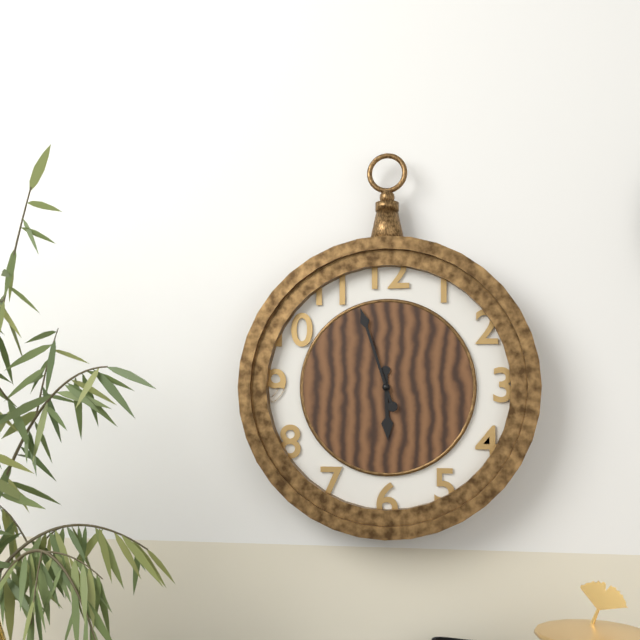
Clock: 5:57
